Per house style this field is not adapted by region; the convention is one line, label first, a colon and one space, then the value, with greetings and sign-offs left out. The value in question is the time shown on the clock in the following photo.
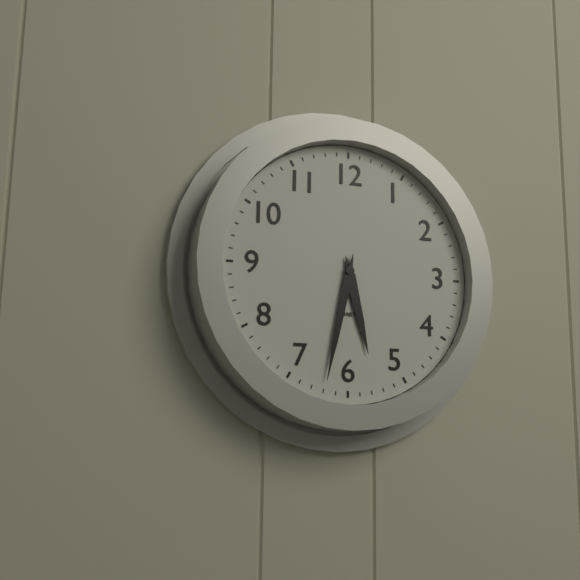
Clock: 5:32
